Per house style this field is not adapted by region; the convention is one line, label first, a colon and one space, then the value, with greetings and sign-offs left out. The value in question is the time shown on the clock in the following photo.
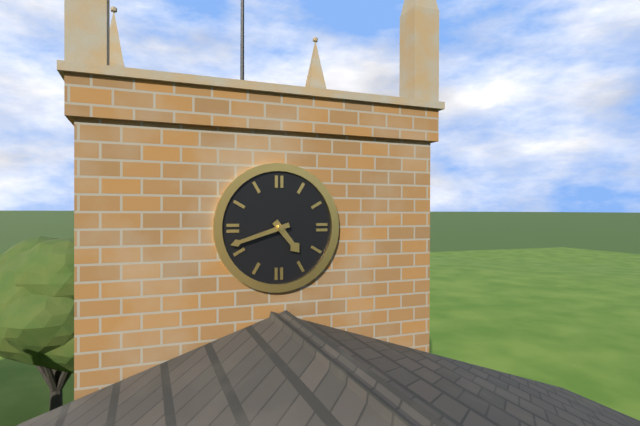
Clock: 4:42
